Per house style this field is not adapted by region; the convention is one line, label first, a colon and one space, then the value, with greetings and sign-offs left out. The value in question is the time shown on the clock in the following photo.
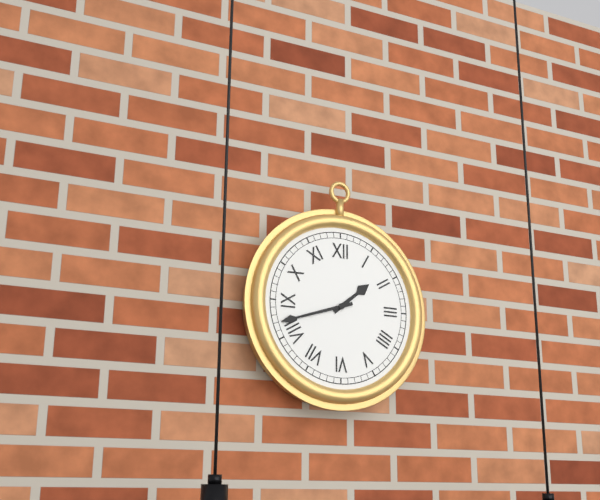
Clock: 1:42
